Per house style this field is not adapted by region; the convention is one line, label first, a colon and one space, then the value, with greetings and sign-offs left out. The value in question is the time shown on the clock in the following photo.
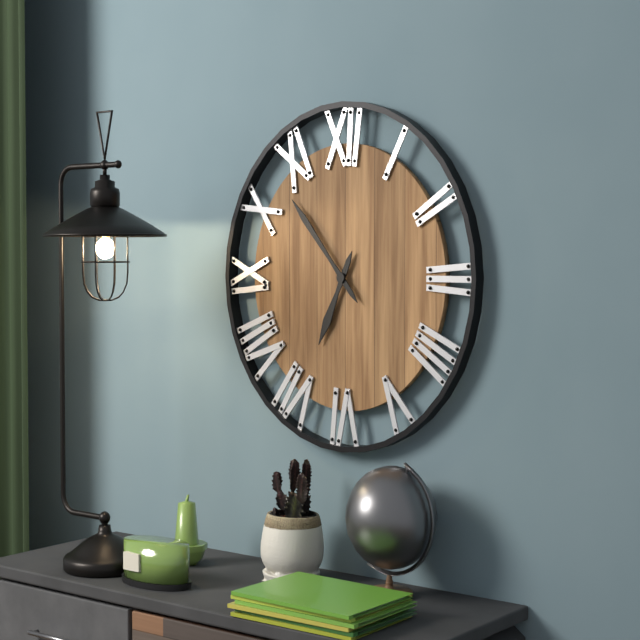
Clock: 6:53
